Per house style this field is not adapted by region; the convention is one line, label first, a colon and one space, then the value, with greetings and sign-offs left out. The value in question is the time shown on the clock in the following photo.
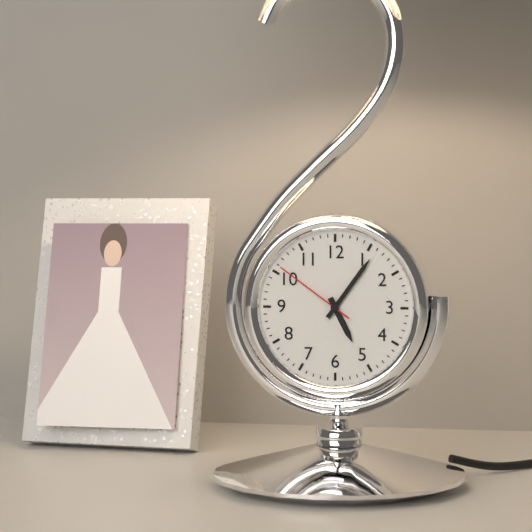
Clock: 5:06:51
